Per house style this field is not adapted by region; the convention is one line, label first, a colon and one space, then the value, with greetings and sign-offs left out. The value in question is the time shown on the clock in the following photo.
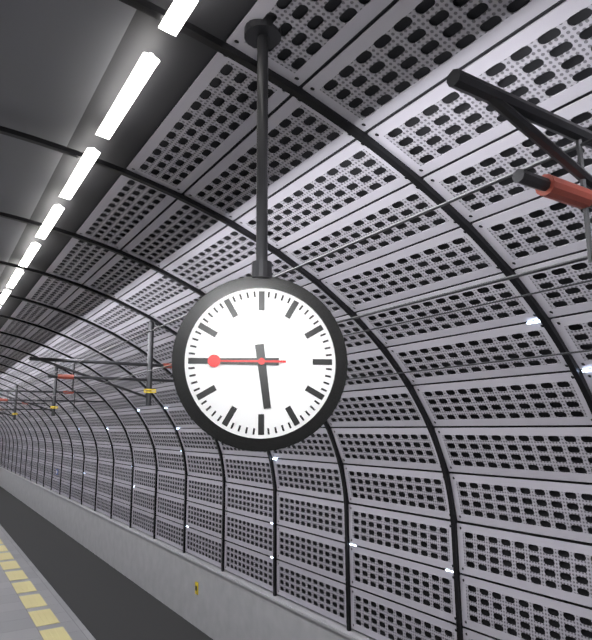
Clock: 5:45:45
